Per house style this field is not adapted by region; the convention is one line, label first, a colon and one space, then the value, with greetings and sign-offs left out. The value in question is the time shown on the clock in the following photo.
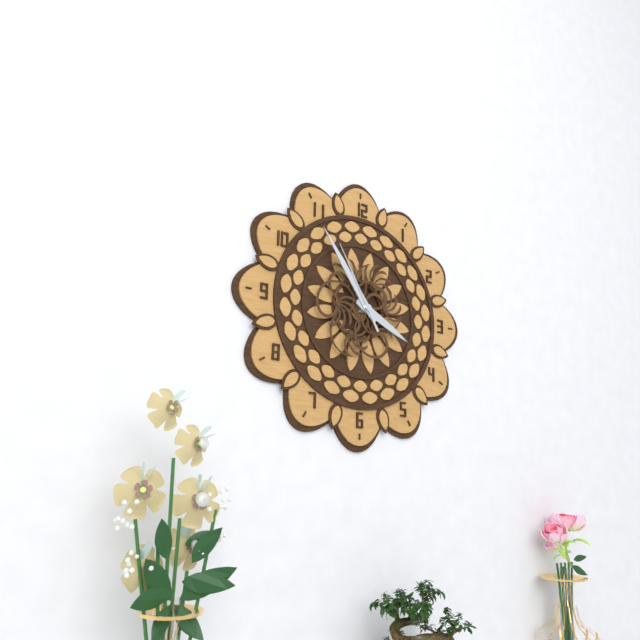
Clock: 3:54:55
